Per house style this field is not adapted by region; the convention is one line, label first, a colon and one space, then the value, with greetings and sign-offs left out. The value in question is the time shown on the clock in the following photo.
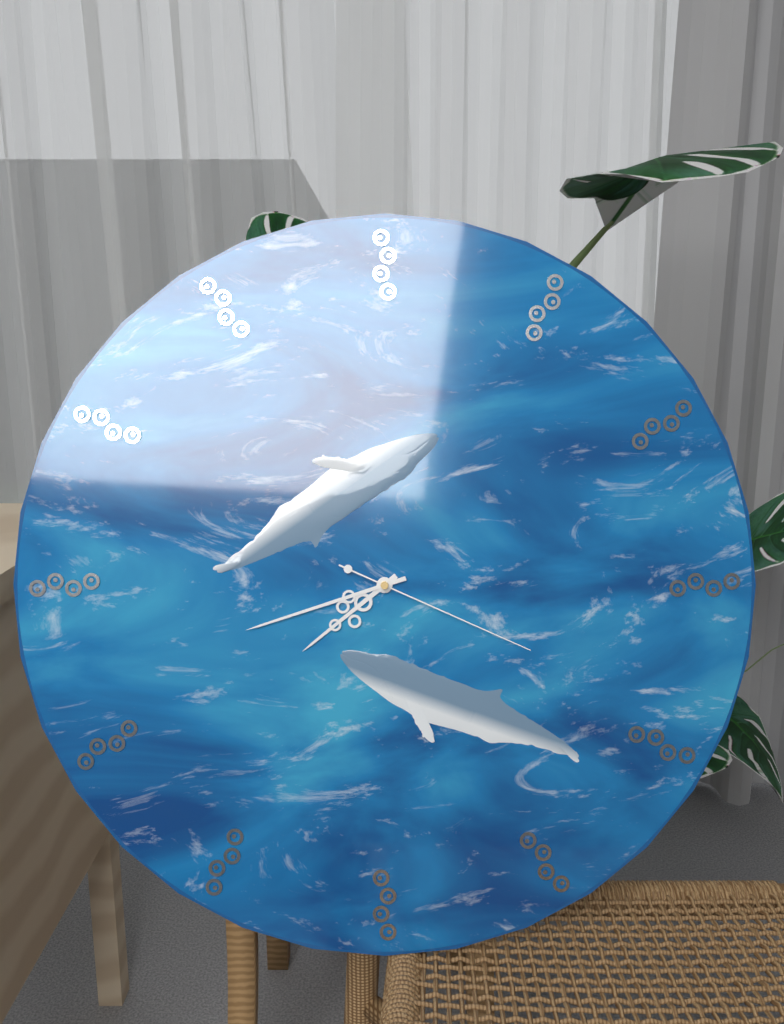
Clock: 7:42:19
